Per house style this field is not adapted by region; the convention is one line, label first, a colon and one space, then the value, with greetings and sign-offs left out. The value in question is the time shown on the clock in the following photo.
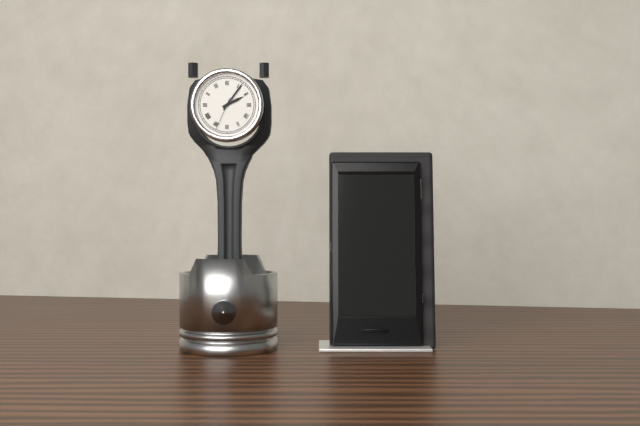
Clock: 2:06
